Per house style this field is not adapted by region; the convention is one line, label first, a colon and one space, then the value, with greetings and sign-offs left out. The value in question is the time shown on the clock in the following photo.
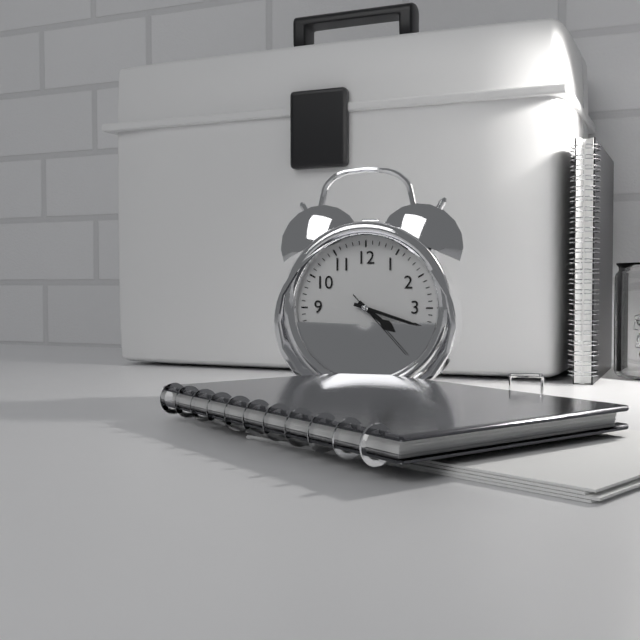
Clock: 4:18:23
